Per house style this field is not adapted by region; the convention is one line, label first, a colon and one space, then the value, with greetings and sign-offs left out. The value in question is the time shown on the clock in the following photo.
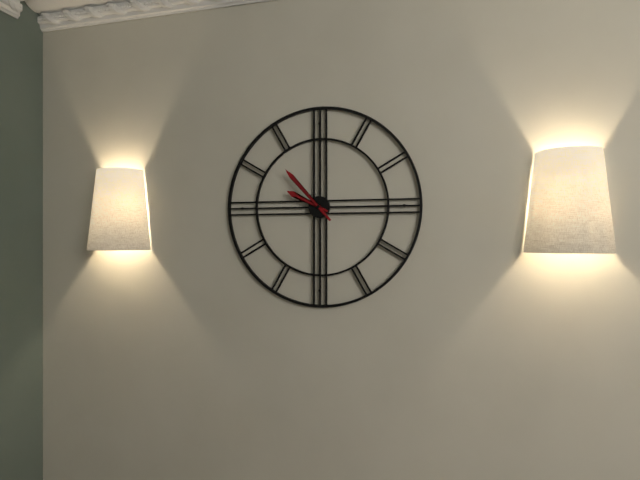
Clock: 9:53
